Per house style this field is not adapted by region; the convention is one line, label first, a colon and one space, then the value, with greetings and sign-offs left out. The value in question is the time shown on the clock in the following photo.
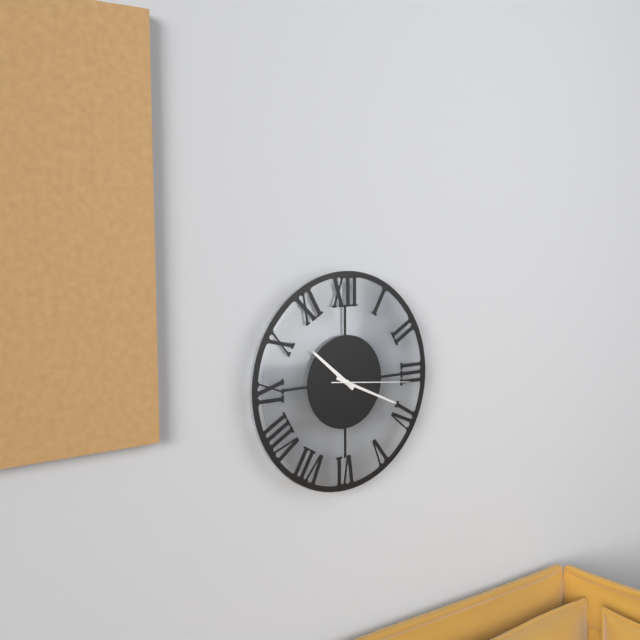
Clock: 10:19:16
